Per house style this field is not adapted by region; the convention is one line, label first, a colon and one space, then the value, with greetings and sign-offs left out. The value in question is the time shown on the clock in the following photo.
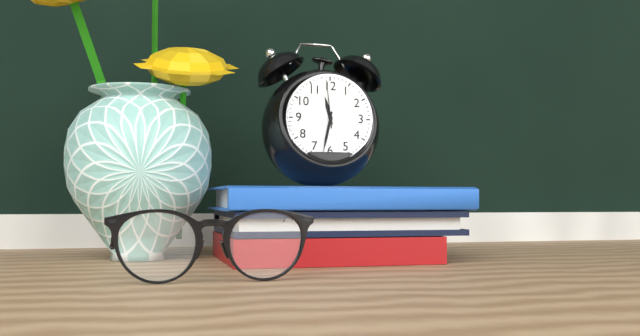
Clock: 11:32
